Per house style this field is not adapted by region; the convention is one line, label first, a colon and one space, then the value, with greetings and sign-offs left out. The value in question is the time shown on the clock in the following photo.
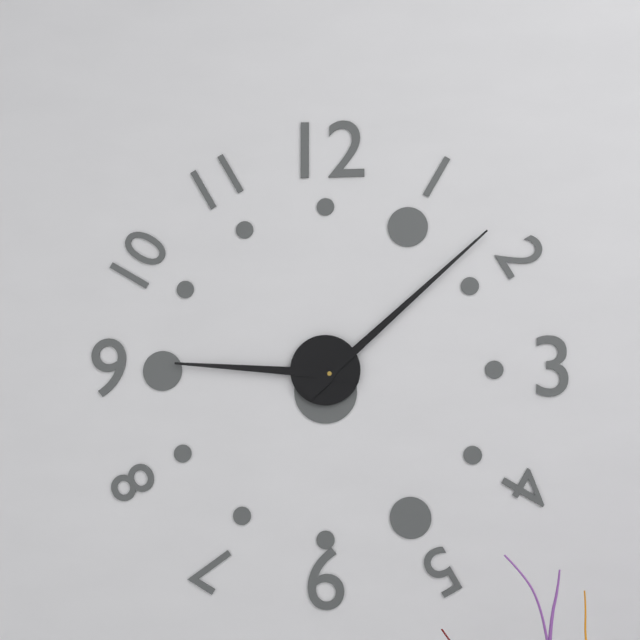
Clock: 9:08
